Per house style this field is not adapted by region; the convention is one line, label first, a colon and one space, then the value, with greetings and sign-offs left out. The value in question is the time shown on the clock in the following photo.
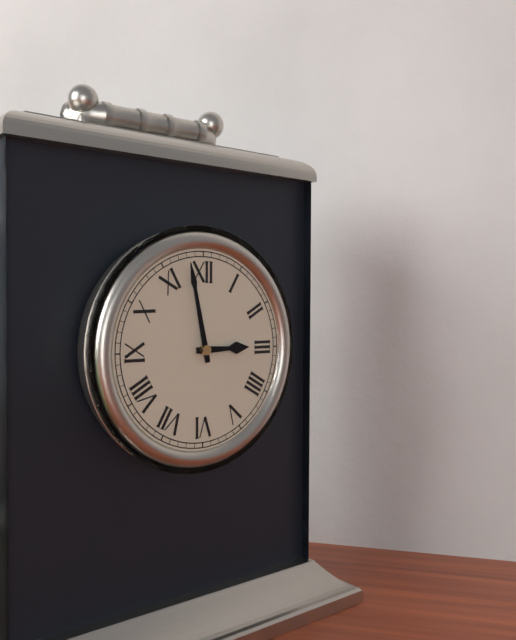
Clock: 2:58
